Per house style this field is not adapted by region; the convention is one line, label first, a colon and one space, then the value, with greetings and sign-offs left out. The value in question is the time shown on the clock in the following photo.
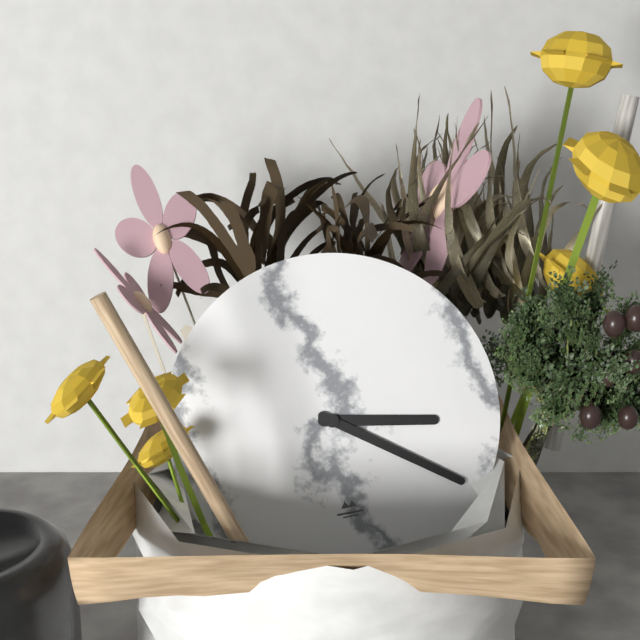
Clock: 3:21
